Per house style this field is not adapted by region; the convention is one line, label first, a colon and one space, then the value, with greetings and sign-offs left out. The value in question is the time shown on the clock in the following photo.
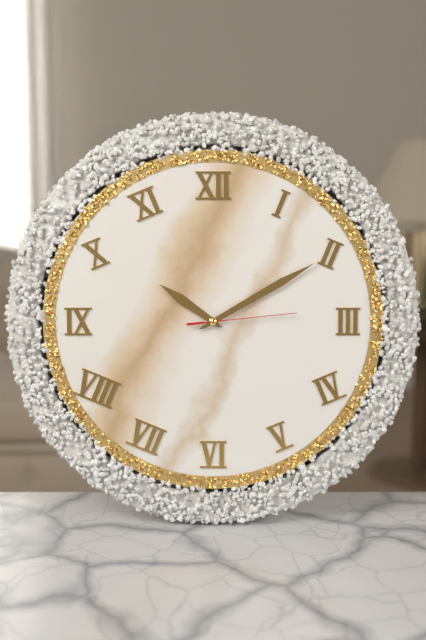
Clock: 10:10:14
